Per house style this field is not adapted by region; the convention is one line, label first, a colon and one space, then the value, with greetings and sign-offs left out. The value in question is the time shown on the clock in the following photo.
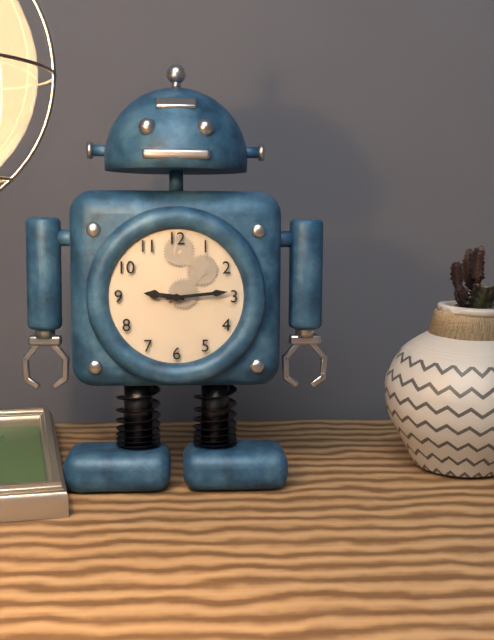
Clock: 9:14
